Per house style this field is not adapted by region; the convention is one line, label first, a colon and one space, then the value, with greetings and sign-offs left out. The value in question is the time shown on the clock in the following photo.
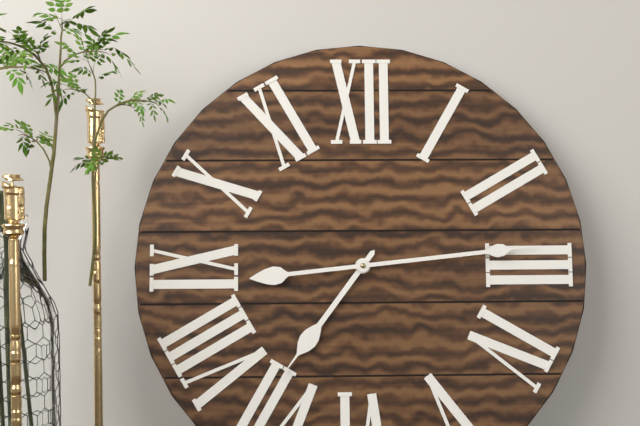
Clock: 7:14
